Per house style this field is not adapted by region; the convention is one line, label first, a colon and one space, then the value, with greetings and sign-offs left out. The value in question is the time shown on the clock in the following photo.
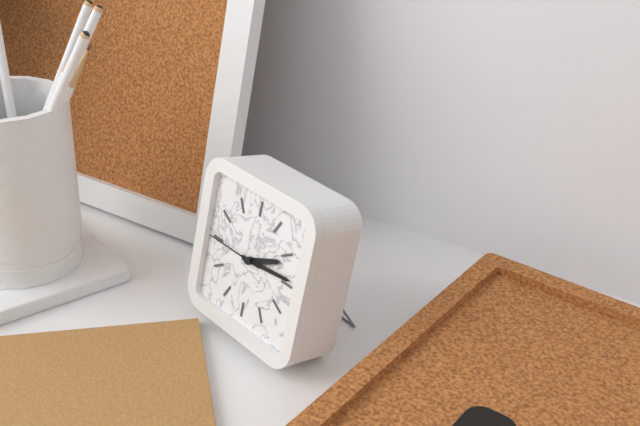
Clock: 2:14:45
